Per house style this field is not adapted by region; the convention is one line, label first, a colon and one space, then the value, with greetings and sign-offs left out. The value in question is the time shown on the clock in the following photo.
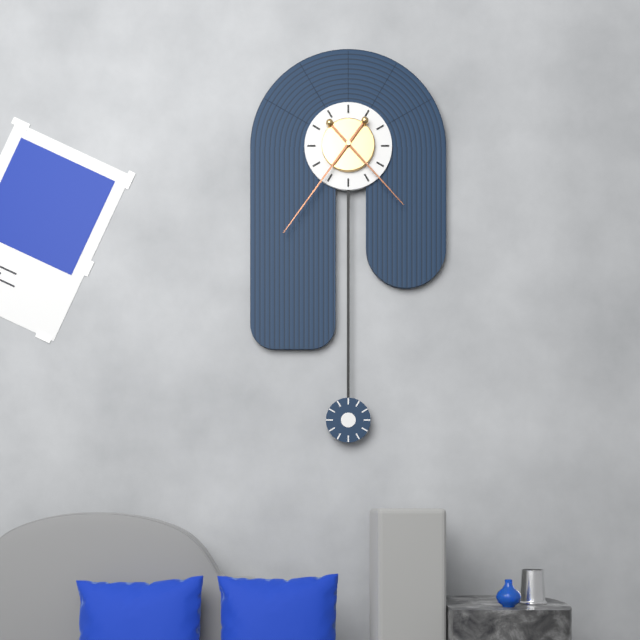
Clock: 4:36
